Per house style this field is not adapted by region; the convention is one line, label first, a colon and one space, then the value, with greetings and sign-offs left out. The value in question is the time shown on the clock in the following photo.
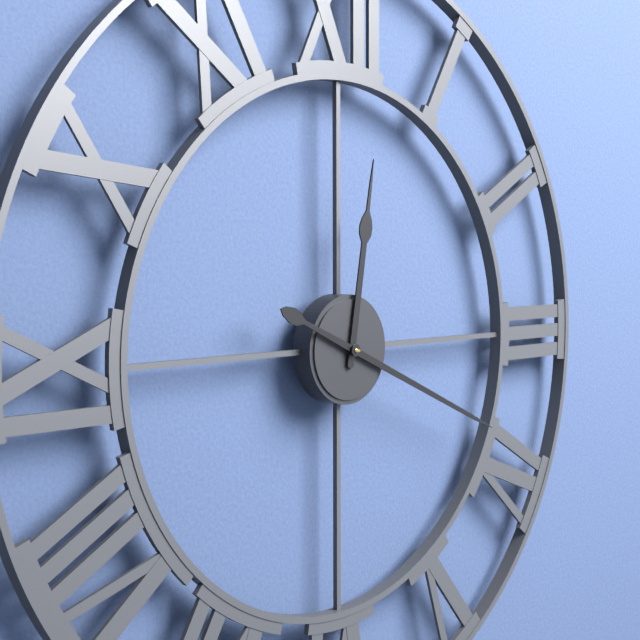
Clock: 12:19
